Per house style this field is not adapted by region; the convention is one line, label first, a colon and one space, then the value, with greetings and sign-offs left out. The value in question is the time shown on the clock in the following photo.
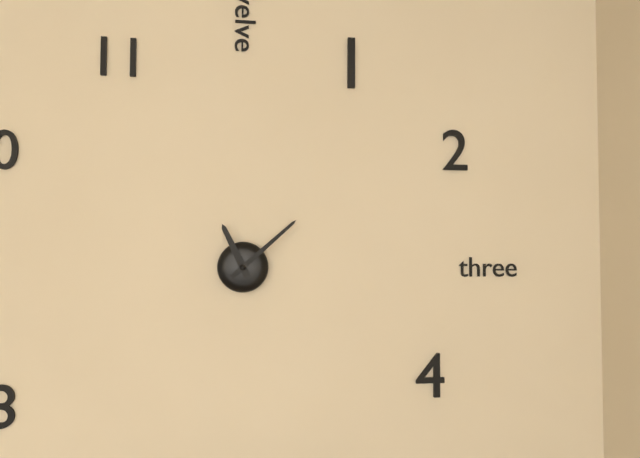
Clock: 11:08
